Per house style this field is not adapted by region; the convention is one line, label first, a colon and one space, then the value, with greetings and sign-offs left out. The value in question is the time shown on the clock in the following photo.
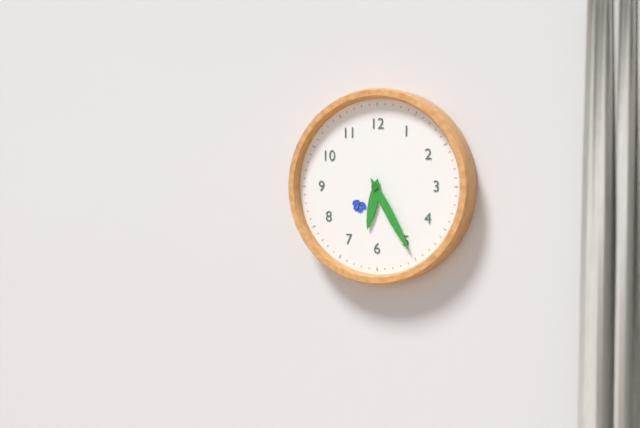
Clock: 6:25
